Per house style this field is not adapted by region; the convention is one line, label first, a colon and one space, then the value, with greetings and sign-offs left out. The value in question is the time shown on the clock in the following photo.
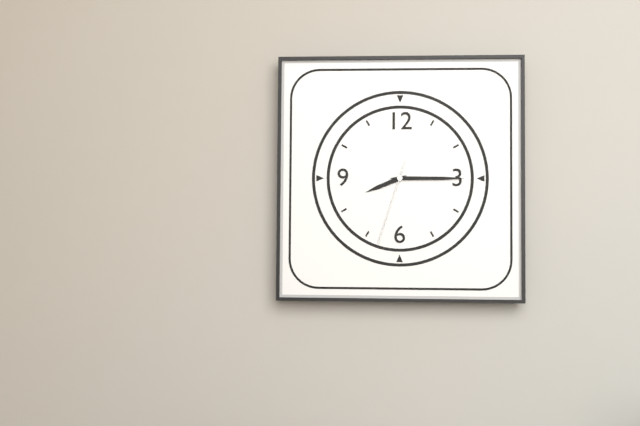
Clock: 8:15:33
